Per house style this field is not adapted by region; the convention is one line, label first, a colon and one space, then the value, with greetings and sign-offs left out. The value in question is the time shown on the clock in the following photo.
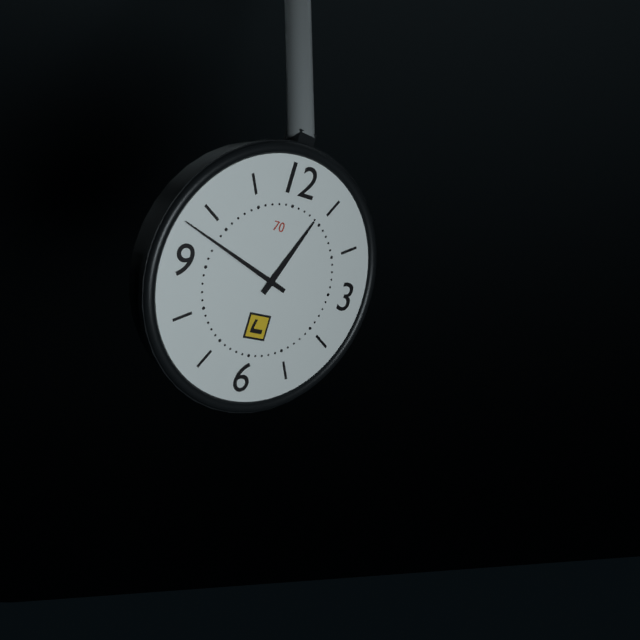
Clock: 12:48
